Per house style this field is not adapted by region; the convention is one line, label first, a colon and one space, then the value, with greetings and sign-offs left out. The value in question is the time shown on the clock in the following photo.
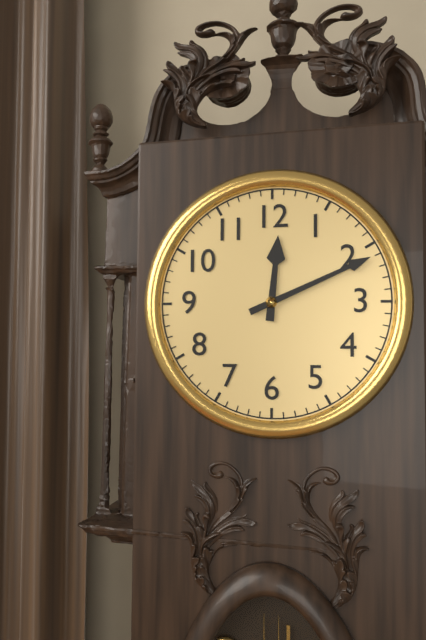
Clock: 12:11
